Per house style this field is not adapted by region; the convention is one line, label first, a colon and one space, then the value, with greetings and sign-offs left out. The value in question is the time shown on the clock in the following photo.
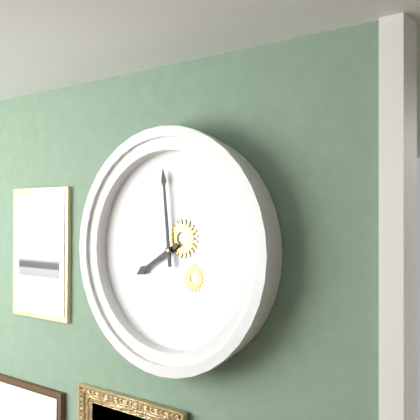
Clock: 7:59
